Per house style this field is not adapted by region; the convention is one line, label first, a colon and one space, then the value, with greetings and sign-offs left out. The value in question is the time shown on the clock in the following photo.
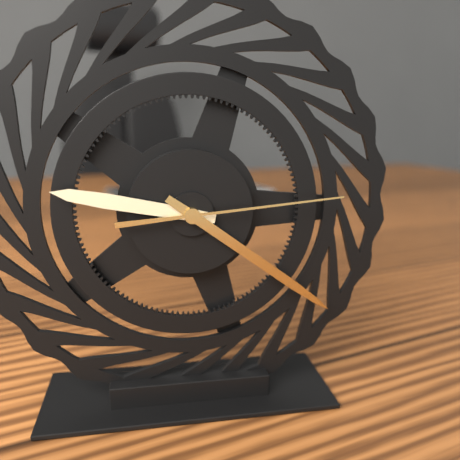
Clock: 9:21:14
